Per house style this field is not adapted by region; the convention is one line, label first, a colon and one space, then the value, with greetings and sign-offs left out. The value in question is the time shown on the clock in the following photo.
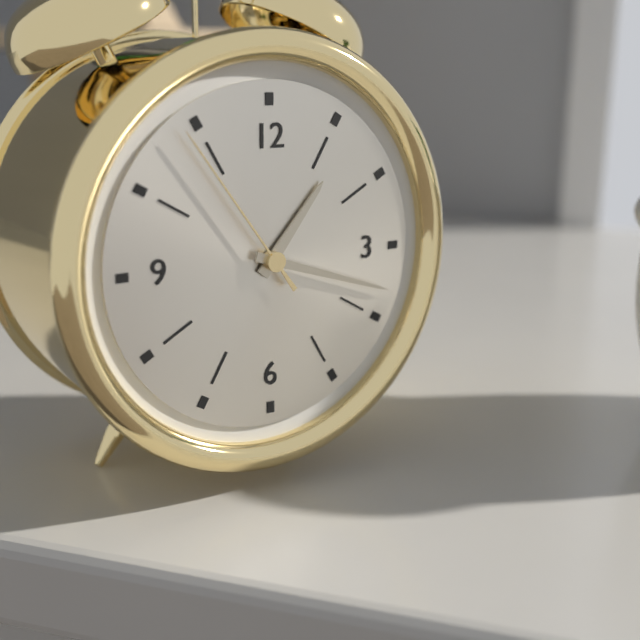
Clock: 1:18:54
